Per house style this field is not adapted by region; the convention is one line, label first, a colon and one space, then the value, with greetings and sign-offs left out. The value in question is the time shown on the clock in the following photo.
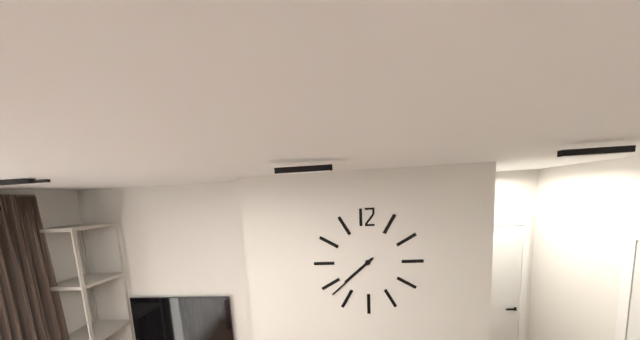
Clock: 7:38
